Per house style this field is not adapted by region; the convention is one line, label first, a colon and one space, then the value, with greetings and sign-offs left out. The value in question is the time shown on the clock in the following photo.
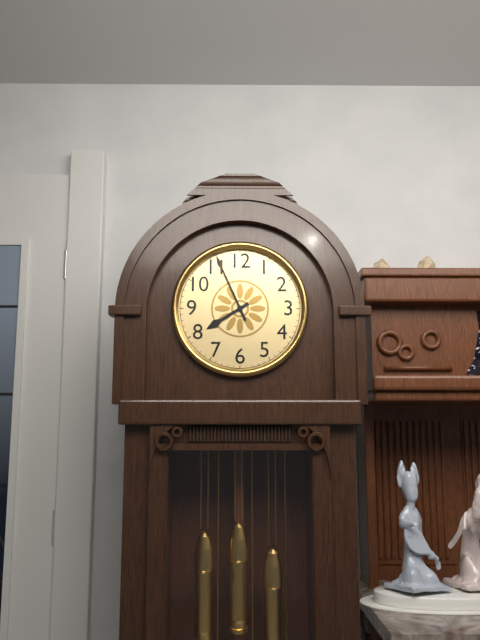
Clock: 7:56
